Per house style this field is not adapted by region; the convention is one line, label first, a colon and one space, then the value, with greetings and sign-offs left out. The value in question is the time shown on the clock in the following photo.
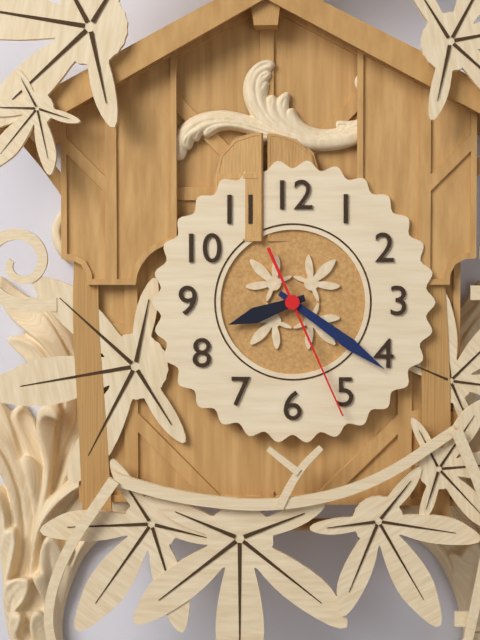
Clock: 8:21:26
